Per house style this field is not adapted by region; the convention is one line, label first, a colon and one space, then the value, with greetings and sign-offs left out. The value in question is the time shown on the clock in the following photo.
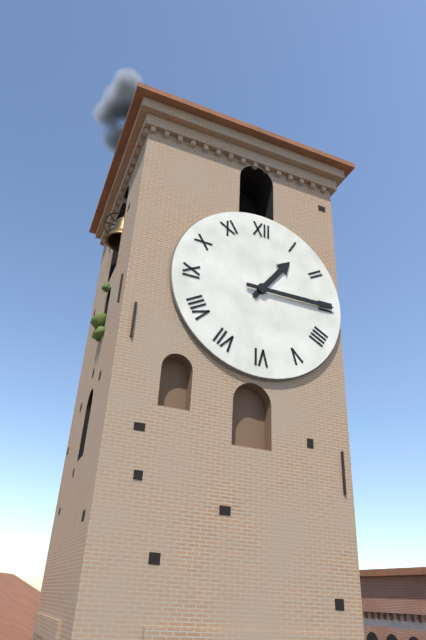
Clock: 1:15
